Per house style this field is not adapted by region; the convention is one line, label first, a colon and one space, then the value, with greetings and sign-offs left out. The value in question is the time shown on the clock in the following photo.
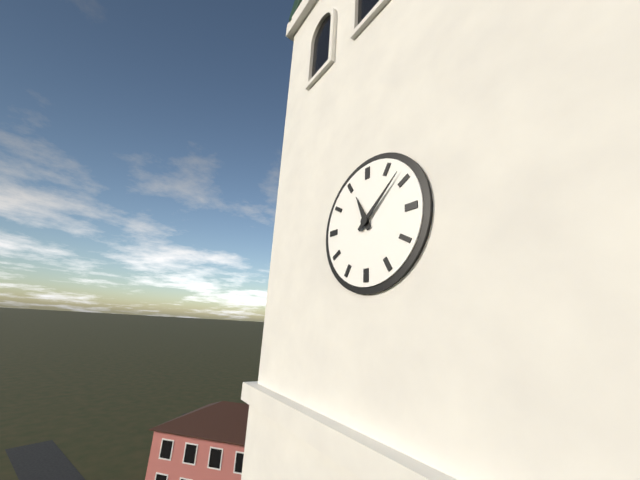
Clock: 11:08
